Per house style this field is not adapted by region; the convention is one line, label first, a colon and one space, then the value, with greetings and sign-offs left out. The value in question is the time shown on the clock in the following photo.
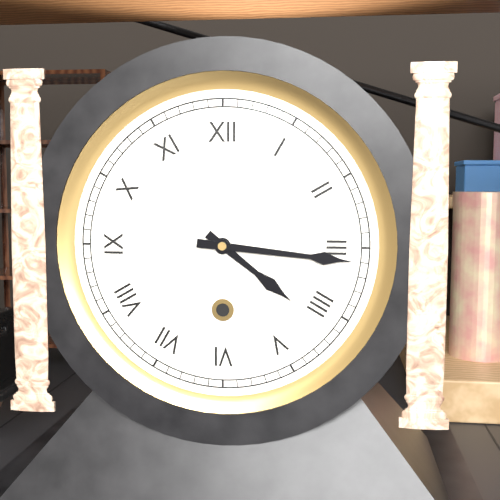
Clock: 4:16
